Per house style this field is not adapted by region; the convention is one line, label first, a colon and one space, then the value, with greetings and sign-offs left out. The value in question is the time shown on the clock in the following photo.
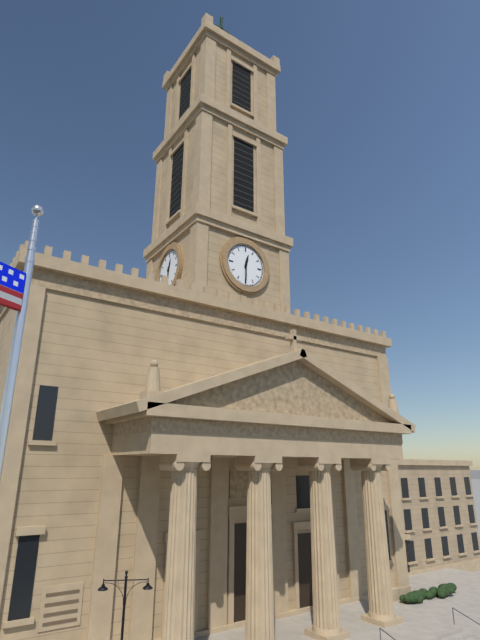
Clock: 12:30
